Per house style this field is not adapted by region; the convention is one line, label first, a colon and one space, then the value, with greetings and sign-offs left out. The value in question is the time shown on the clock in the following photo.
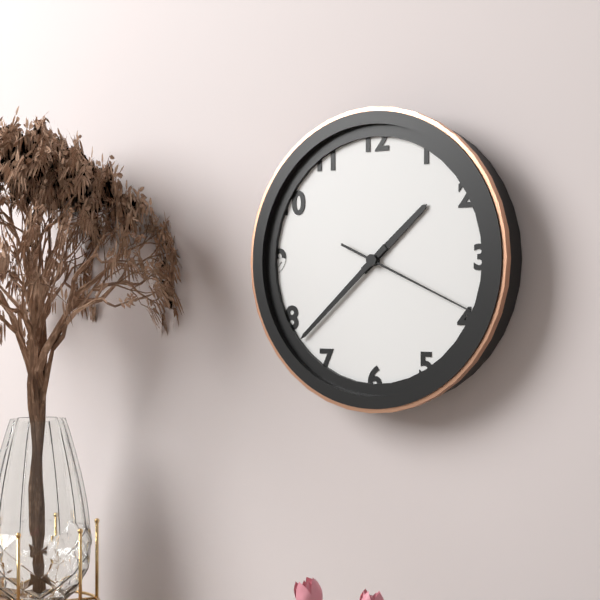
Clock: 1:38:19
